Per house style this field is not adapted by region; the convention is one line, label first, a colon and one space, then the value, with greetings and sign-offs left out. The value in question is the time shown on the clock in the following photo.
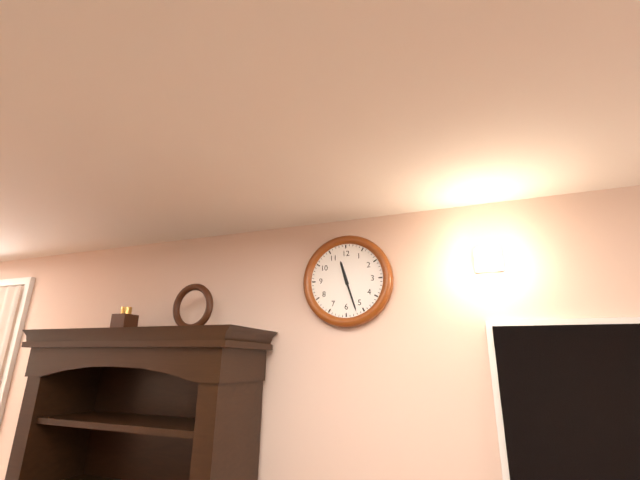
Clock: 11:27
